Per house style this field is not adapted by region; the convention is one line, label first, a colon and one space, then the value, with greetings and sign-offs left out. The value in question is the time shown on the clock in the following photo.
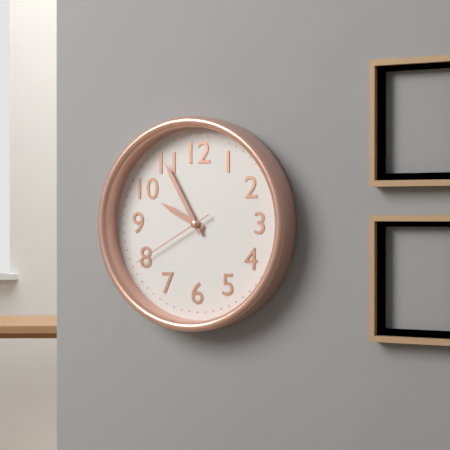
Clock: 9:55:40
